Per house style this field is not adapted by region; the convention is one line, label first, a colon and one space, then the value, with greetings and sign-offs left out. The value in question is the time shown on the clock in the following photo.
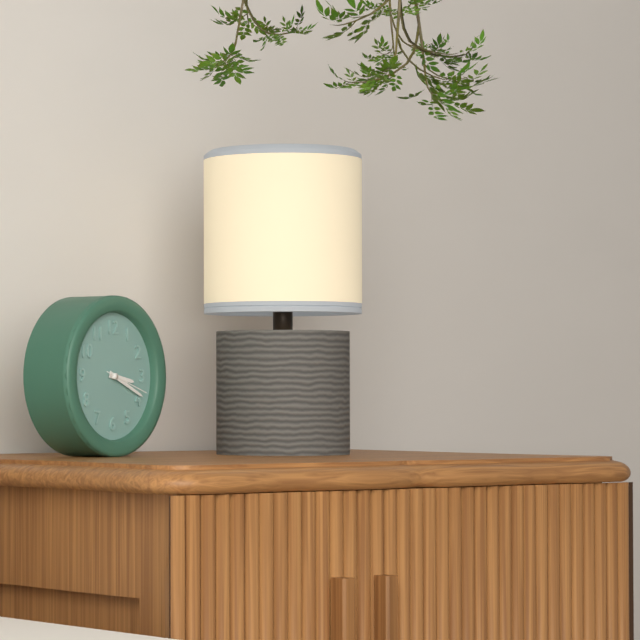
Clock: 3:19
